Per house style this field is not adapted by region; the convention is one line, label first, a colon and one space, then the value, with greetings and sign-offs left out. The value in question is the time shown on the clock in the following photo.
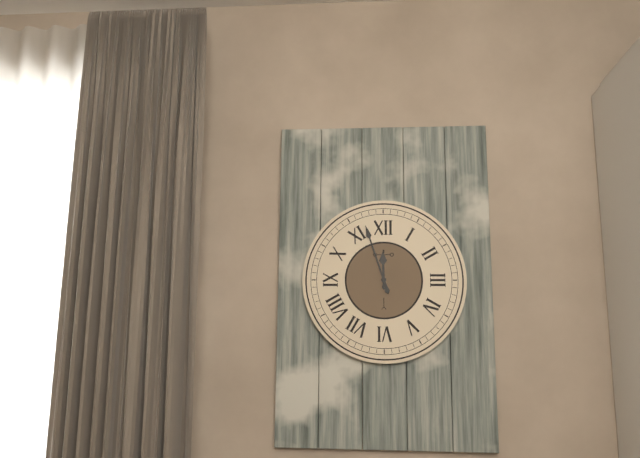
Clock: 11:57
